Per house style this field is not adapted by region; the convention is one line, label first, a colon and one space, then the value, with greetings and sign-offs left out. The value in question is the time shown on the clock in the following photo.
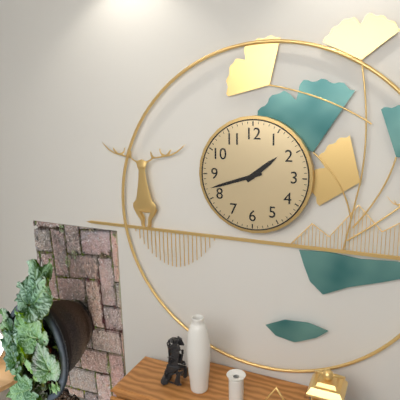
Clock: 1:42
